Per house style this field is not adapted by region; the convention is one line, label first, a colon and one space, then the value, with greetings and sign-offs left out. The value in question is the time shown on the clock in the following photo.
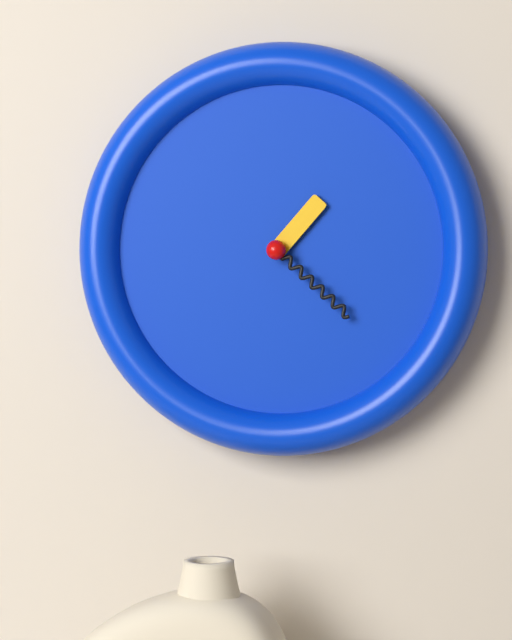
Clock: 1:22
